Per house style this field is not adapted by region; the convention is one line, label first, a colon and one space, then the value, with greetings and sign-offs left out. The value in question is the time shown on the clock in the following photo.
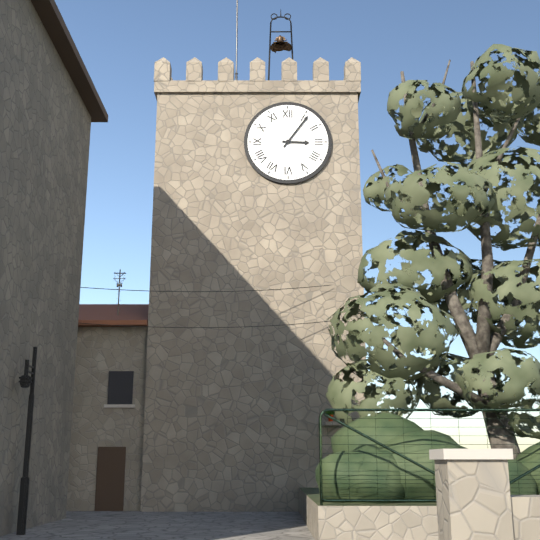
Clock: 3:06
